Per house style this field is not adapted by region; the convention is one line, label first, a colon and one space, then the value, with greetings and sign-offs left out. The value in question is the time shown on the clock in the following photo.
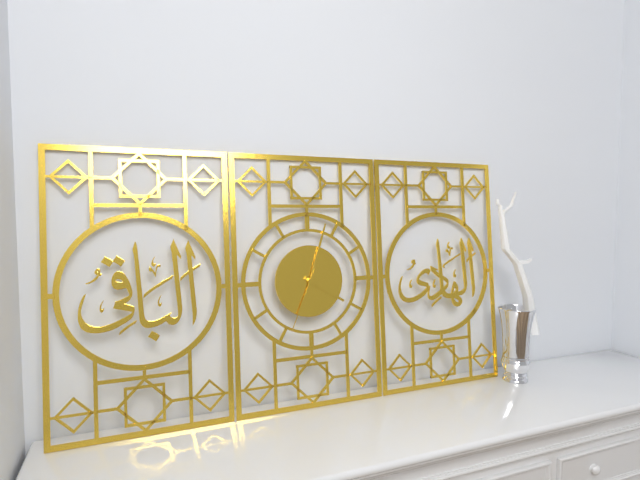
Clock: 4:03:34
